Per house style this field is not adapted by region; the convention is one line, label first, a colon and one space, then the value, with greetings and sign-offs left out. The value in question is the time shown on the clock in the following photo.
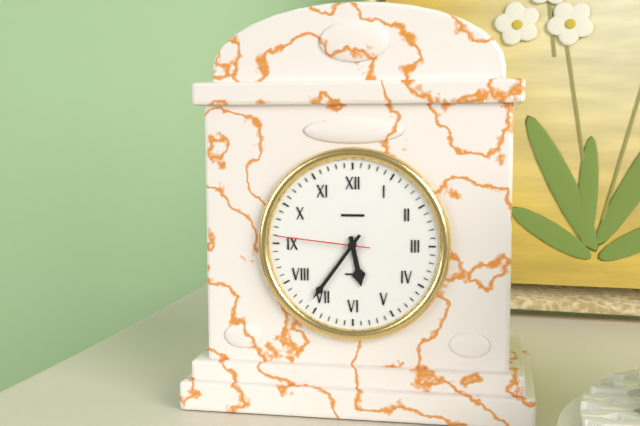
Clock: 5:36:46
